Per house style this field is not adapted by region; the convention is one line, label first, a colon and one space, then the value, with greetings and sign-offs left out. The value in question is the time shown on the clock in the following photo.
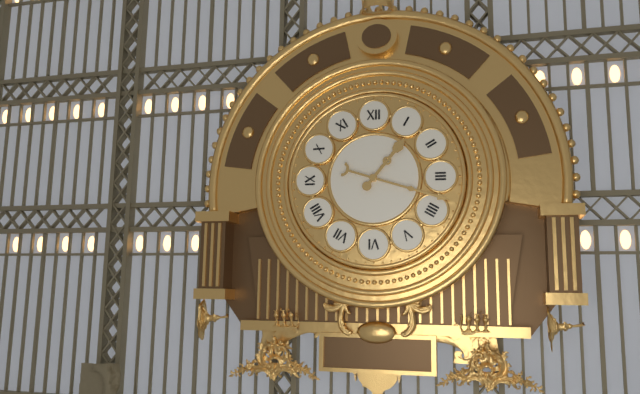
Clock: 1:18
